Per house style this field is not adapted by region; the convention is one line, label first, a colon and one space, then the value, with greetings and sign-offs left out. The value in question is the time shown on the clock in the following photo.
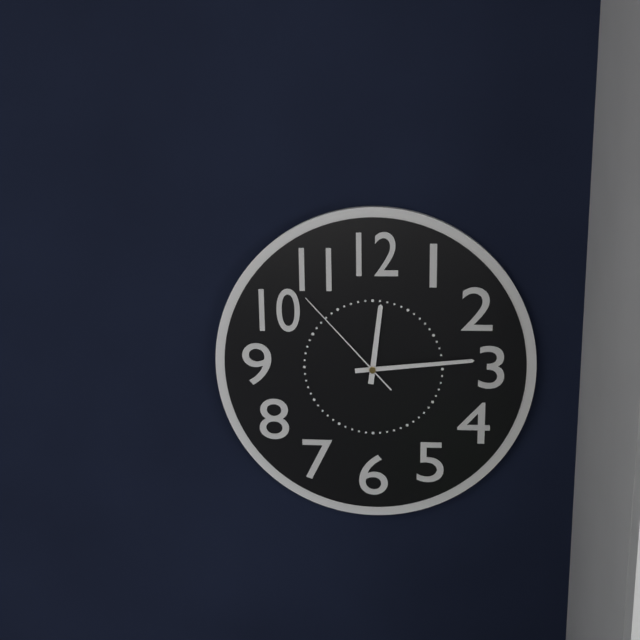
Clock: 12:14:53
